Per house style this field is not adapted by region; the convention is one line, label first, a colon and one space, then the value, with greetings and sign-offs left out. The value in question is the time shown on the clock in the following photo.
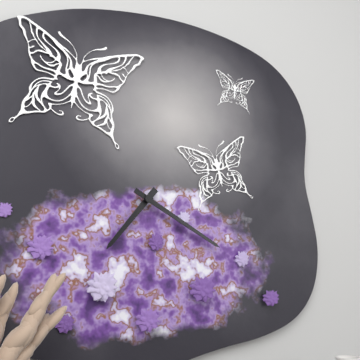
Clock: 7:20
